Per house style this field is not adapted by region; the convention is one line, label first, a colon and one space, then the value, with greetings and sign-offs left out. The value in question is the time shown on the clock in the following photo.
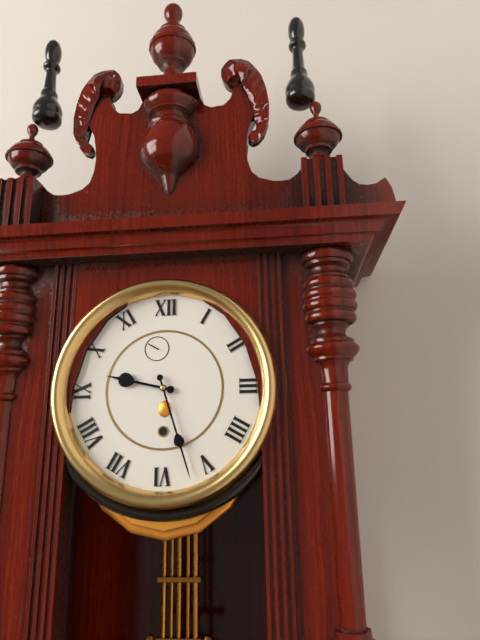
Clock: 9:27
